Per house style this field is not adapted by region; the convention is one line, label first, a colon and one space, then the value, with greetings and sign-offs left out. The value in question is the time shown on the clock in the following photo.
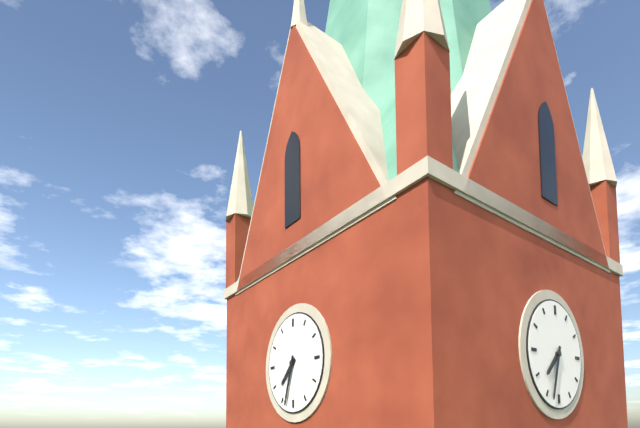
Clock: 7:33
